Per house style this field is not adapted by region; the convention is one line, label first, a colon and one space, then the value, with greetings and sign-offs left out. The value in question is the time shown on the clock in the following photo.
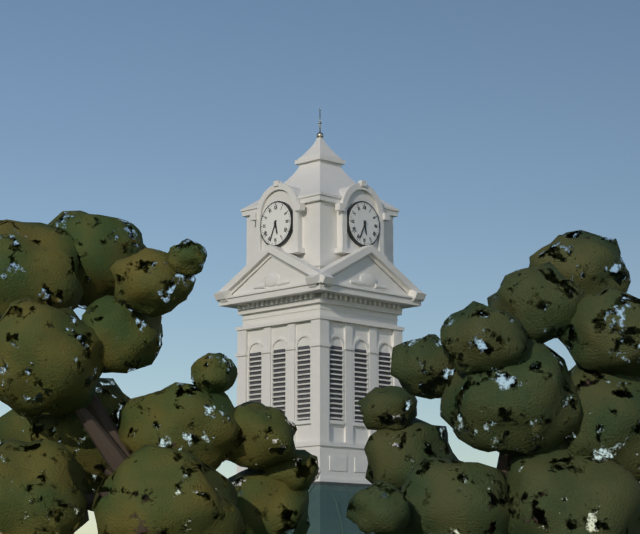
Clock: 5:34
